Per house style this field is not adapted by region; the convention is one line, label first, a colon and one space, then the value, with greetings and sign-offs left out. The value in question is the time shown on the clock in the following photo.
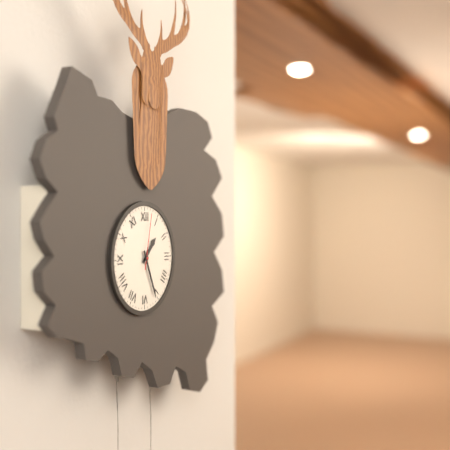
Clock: 1:26:02
